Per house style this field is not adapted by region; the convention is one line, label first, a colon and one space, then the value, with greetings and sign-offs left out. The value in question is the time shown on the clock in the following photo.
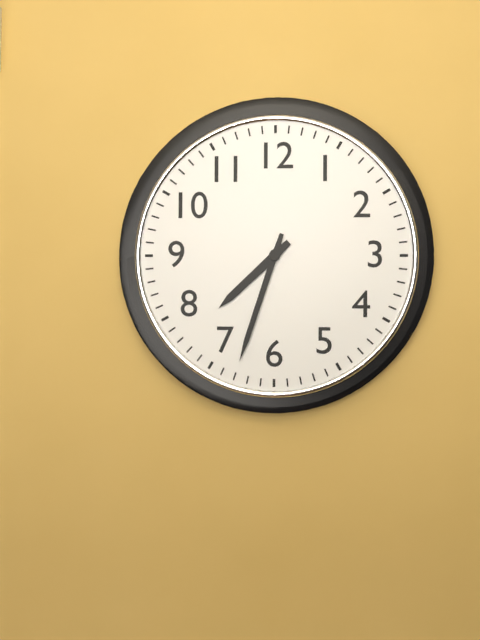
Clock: 7:33
